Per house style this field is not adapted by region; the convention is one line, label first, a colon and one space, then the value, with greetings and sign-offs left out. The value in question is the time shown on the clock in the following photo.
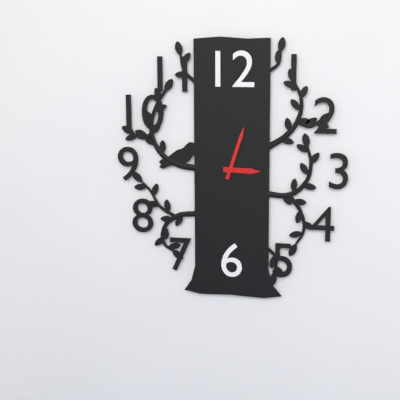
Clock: 3:03
